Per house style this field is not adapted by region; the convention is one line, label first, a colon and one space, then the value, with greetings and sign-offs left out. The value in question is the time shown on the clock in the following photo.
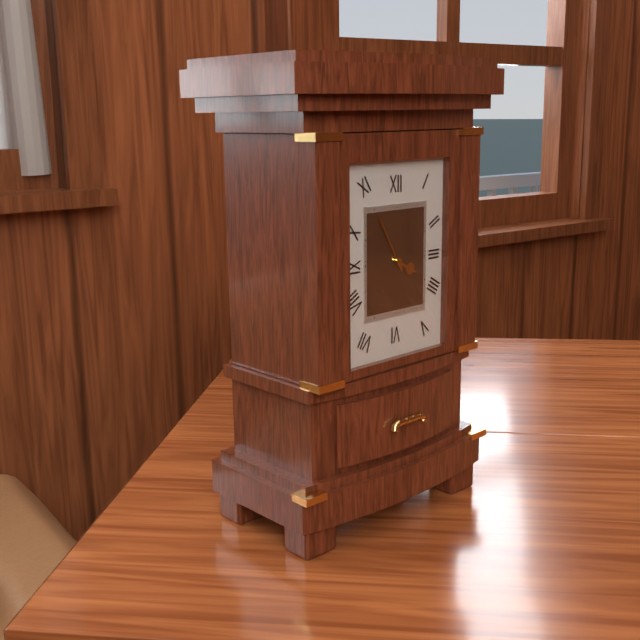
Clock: 3:55
